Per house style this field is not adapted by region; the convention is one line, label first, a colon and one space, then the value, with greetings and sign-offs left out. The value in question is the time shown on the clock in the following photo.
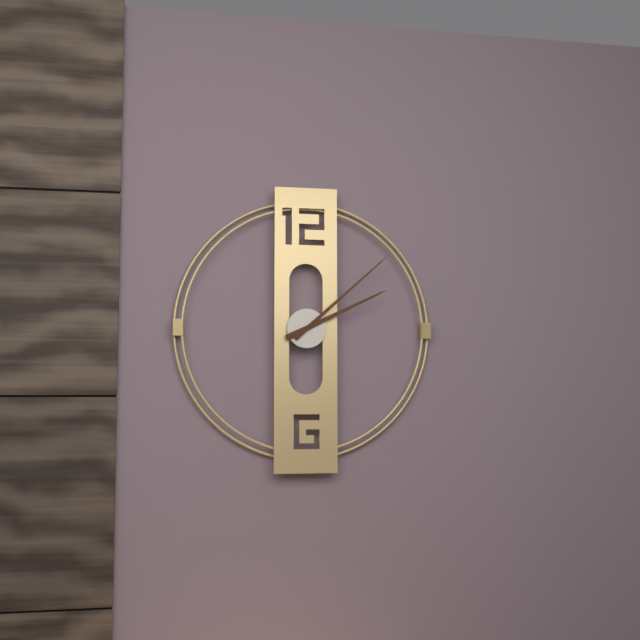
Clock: 2:08
